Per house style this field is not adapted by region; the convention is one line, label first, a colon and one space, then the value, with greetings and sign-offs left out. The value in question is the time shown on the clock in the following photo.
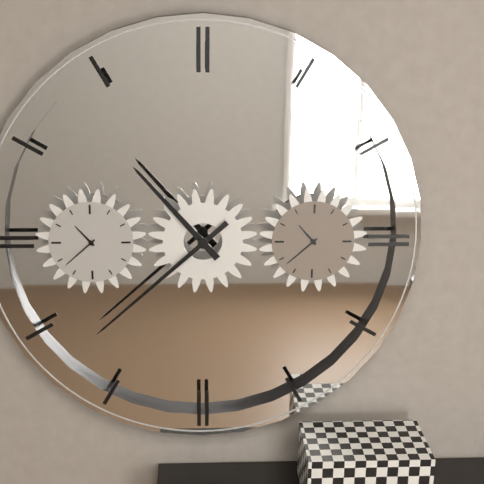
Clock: 10:38
